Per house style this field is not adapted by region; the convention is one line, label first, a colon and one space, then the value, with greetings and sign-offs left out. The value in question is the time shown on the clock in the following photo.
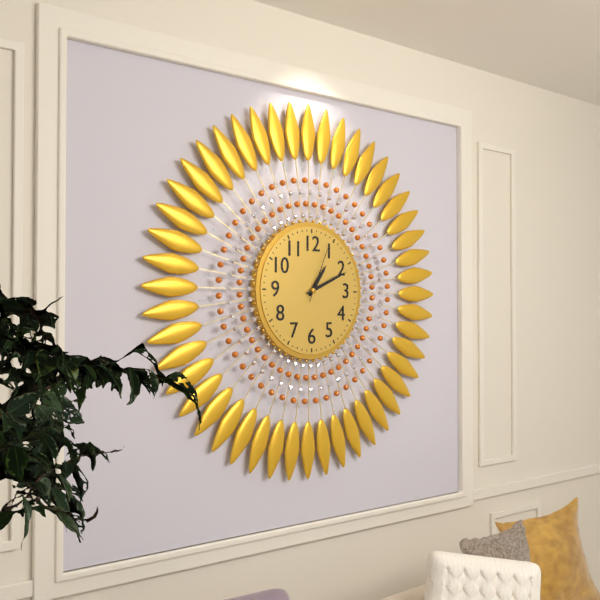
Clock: 1:11:04
